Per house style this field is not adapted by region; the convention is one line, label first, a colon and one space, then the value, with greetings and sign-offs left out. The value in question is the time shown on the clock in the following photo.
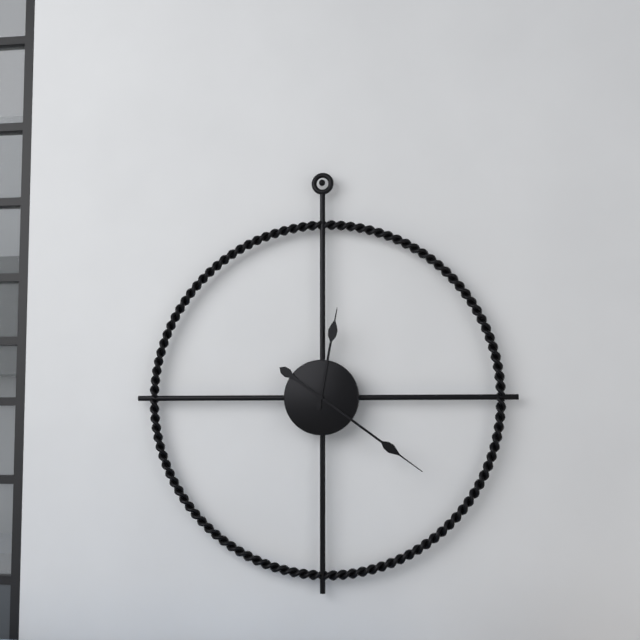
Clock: 12:21
